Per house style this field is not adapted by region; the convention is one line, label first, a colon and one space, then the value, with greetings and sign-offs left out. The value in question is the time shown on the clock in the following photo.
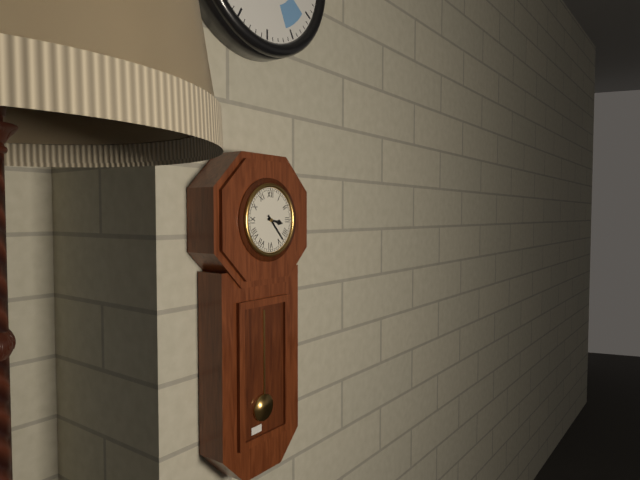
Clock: 3:23
